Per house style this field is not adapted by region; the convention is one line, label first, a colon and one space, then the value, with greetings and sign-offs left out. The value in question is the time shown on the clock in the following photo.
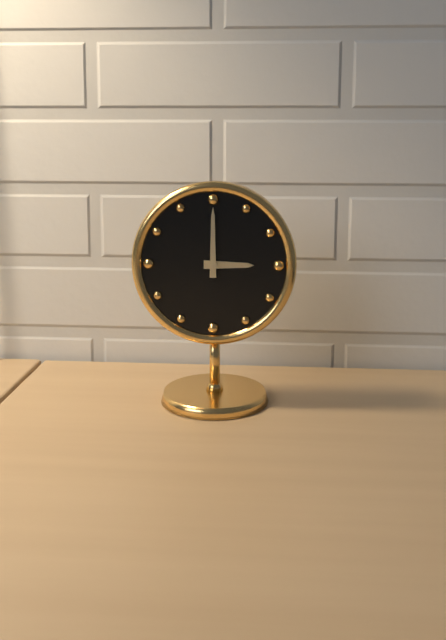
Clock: 3:00
